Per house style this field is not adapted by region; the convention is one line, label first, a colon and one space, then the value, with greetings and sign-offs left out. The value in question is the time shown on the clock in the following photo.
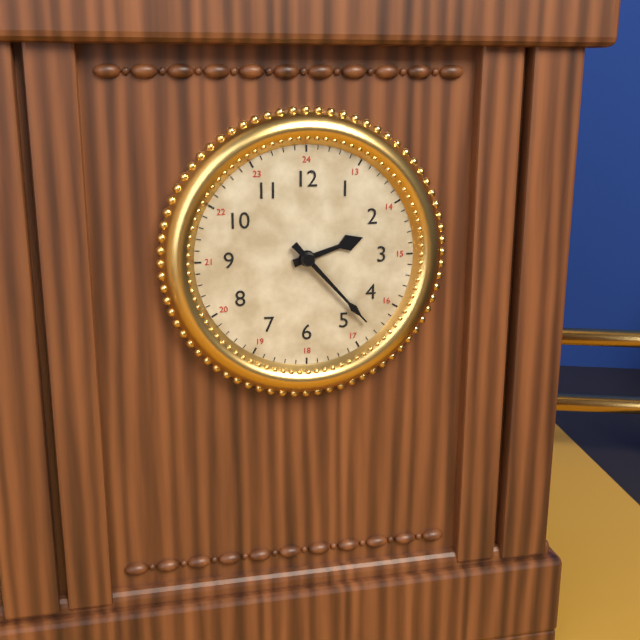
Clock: 2:23
